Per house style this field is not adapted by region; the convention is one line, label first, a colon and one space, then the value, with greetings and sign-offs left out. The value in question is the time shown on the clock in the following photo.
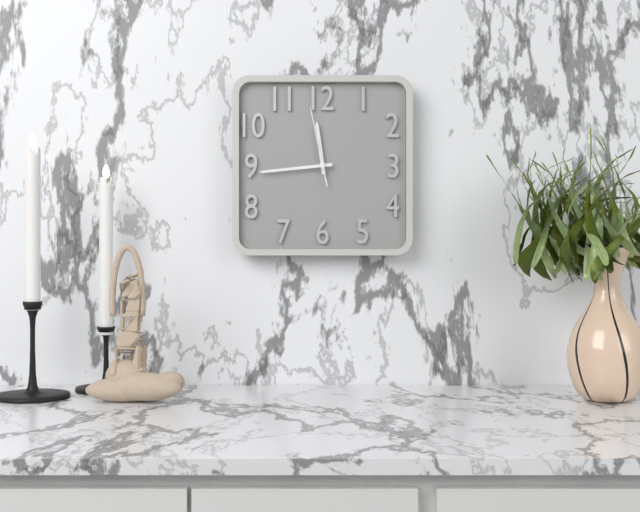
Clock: 11:44:58
